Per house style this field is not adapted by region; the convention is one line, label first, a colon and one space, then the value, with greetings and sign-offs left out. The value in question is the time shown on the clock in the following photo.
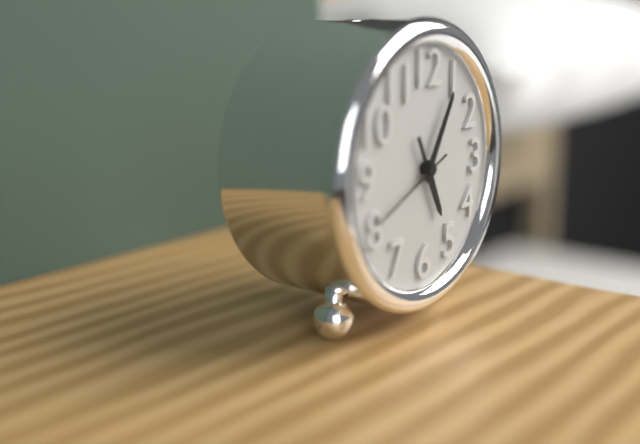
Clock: 5:05:41
